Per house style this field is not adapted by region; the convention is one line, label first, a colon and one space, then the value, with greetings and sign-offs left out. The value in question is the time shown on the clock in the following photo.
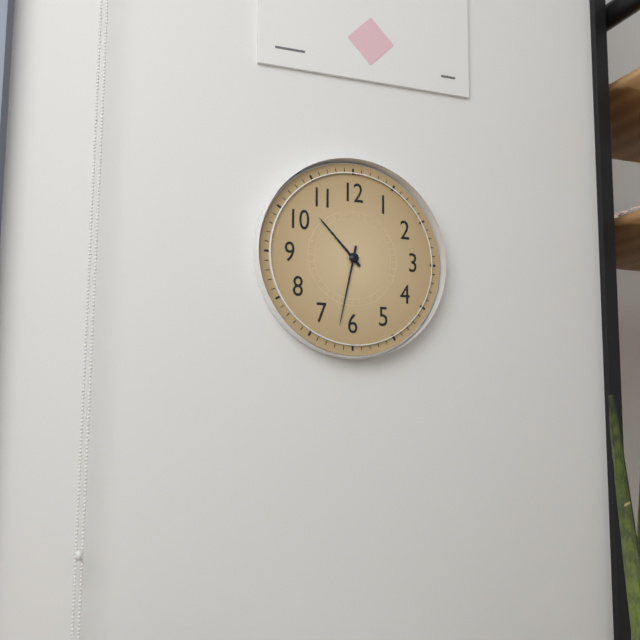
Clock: 10:32
